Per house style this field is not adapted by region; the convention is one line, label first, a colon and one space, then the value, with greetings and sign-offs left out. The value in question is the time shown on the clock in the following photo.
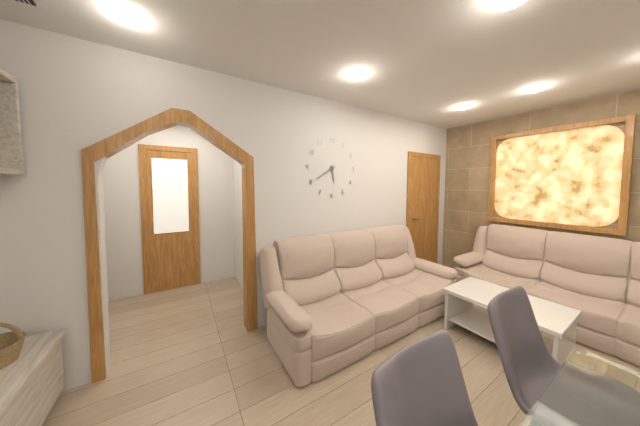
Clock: 5:40
